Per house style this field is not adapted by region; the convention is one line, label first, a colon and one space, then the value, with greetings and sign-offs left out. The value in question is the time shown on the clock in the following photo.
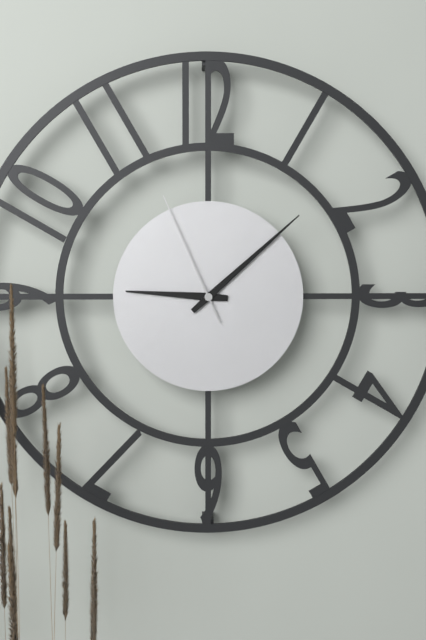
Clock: 9:08:56
